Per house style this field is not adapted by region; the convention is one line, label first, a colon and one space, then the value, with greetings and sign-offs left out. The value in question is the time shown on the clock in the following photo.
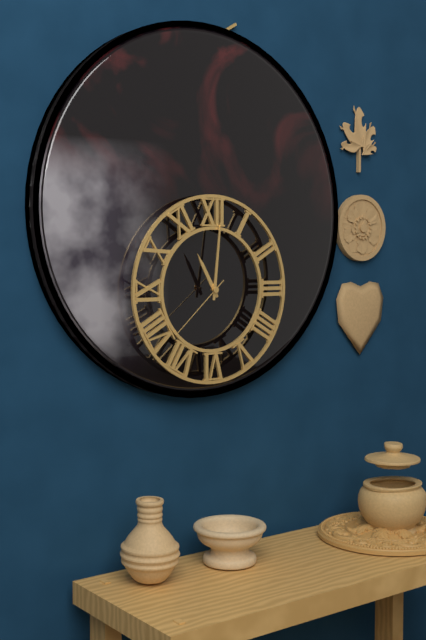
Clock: 11:01:38
